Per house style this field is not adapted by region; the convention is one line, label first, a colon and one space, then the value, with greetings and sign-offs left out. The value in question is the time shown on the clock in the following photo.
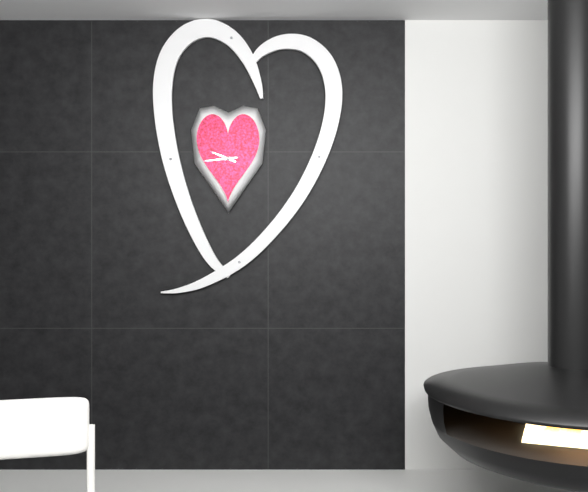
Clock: 9:44
